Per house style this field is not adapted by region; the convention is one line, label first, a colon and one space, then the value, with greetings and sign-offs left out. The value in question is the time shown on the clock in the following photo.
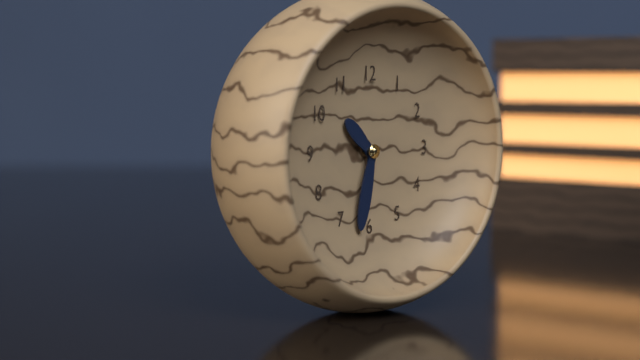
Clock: 10:32
